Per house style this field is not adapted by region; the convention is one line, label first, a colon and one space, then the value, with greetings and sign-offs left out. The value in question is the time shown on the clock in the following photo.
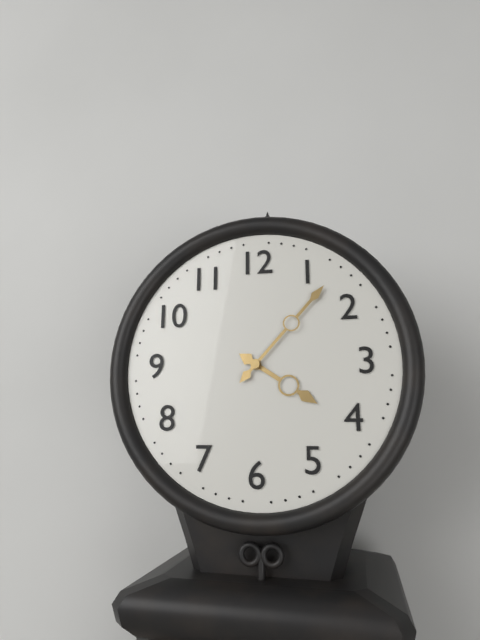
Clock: 4:07
